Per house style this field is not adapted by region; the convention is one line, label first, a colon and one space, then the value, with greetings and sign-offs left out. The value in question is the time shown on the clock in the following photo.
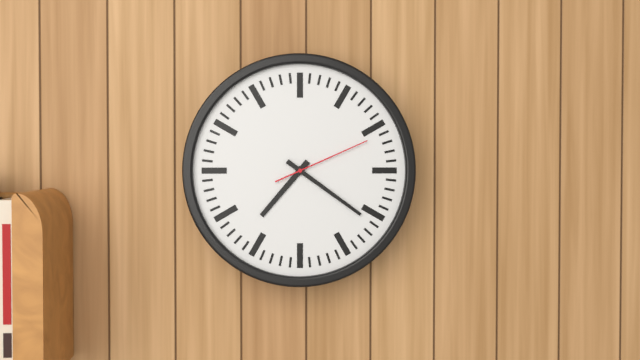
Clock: 7:21:11
